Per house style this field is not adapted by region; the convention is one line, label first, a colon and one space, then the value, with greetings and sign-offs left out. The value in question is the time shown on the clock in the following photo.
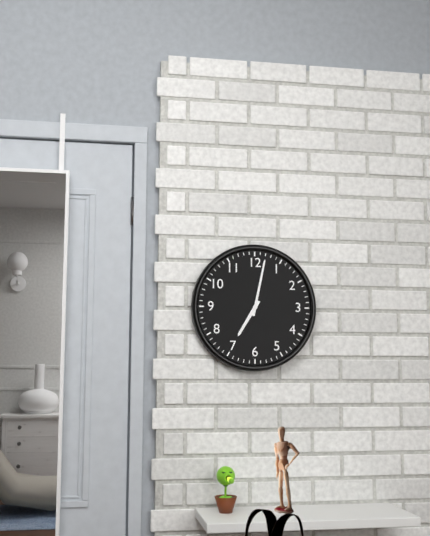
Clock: 7:02
